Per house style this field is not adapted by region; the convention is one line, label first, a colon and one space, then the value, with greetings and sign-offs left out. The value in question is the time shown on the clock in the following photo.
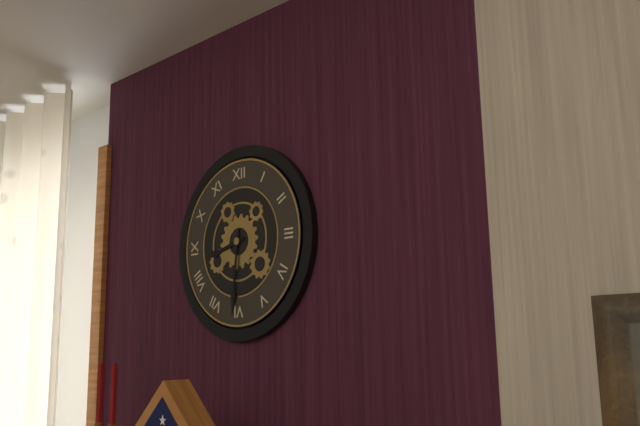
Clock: 8:31
